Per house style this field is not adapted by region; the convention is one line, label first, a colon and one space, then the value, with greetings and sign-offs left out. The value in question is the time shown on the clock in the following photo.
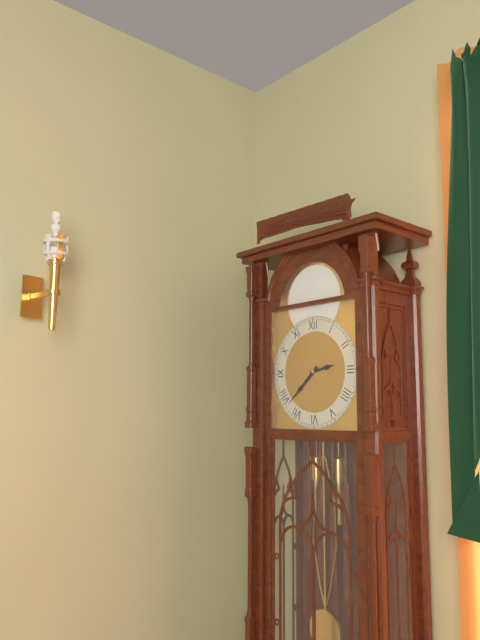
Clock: 2:38
